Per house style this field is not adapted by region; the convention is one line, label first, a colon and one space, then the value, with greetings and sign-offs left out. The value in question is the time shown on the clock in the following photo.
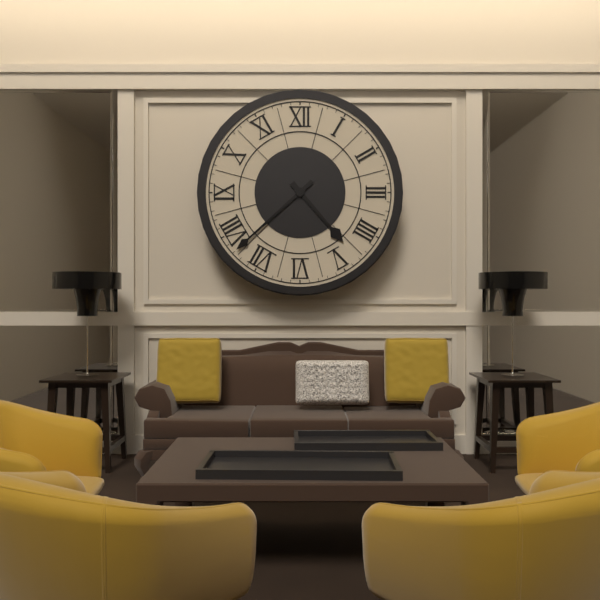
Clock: 4:38
